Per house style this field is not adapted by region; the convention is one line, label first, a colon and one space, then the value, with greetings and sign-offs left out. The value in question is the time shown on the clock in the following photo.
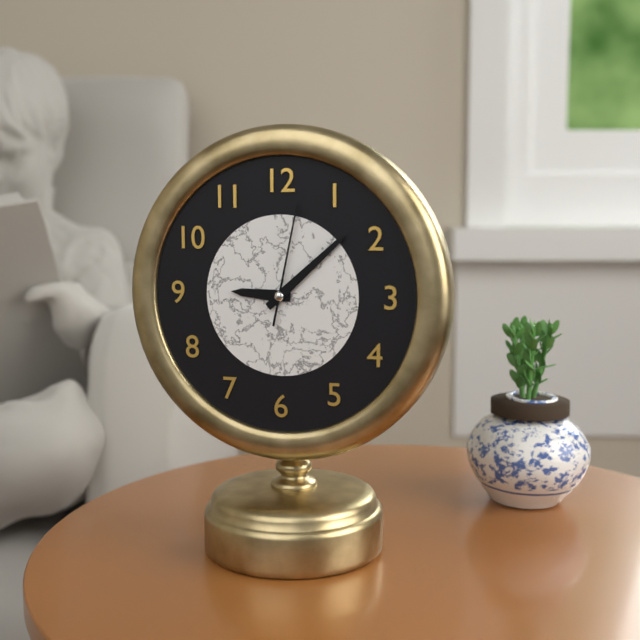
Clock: 9:08:02
